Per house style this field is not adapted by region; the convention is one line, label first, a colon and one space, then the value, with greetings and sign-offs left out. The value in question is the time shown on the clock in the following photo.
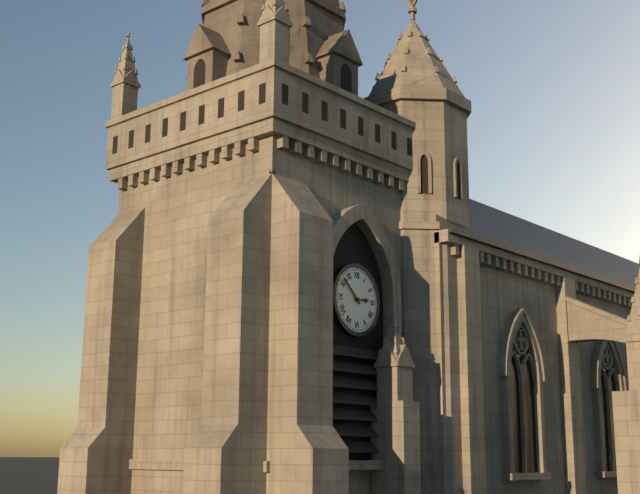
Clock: 2:52
